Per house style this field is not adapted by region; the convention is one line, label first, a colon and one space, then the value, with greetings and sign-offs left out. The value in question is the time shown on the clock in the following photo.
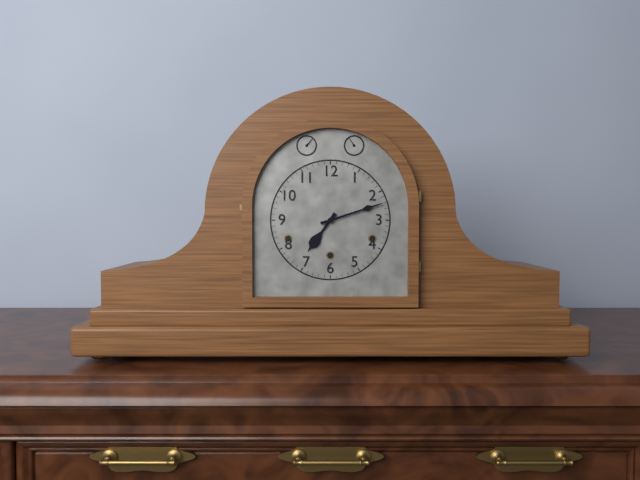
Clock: 7:12
